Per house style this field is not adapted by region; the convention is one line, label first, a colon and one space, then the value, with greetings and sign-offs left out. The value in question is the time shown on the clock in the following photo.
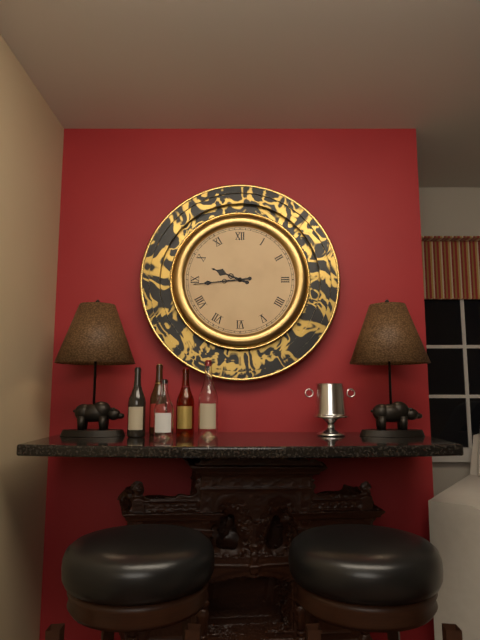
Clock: 9:44
